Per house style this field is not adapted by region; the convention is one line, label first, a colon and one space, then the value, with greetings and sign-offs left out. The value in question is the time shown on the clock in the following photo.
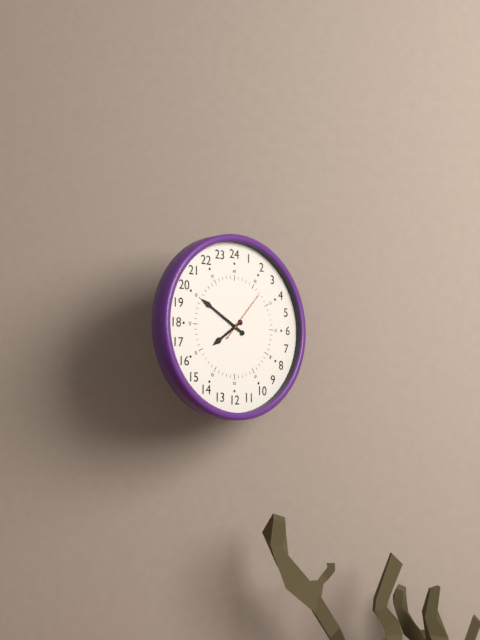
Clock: 7:50:07
